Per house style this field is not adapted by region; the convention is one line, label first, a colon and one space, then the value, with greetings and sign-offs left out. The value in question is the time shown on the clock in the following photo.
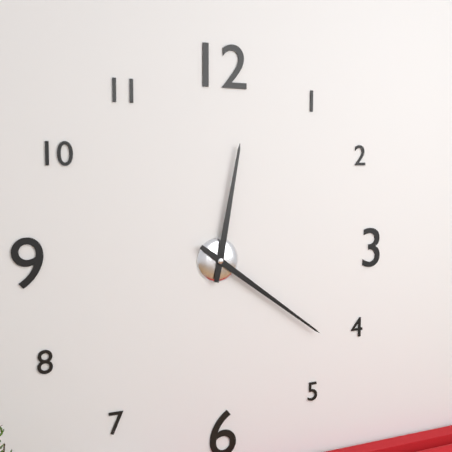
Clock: 12:21
